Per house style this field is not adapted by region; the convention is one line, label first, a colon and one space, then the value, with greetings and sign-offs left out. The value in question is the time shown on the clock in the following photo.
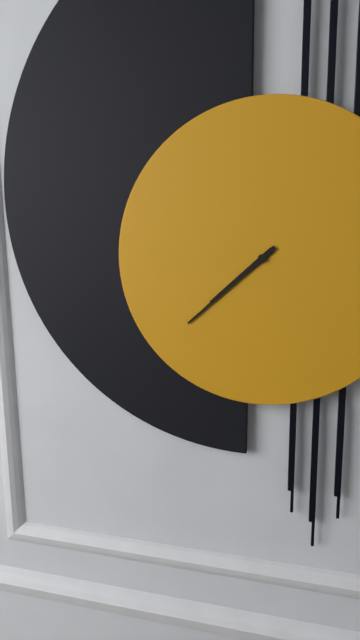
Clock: 7:38
